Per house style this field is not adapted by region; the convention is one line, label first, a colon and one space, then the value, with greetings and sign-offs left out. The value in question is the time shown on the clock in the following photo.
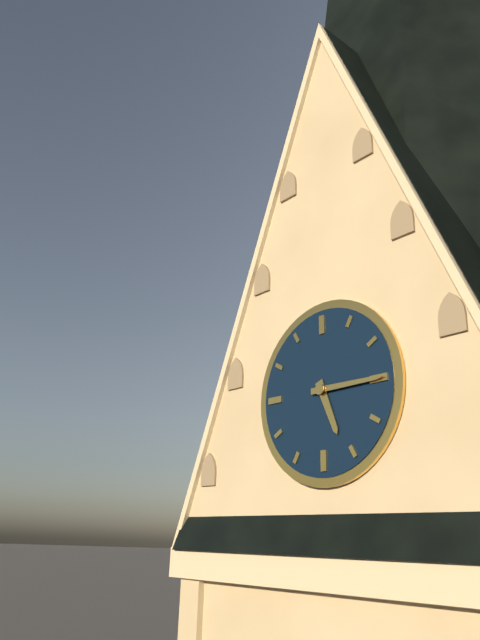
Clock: 5:15
